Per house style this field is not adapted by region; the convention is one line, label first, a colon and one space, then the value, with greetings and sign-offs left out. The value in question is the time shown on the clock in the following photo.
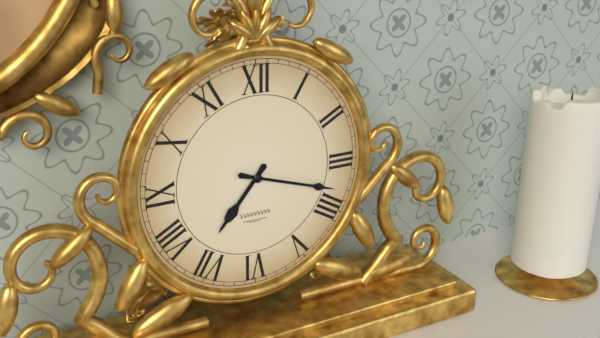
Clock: 7:18
